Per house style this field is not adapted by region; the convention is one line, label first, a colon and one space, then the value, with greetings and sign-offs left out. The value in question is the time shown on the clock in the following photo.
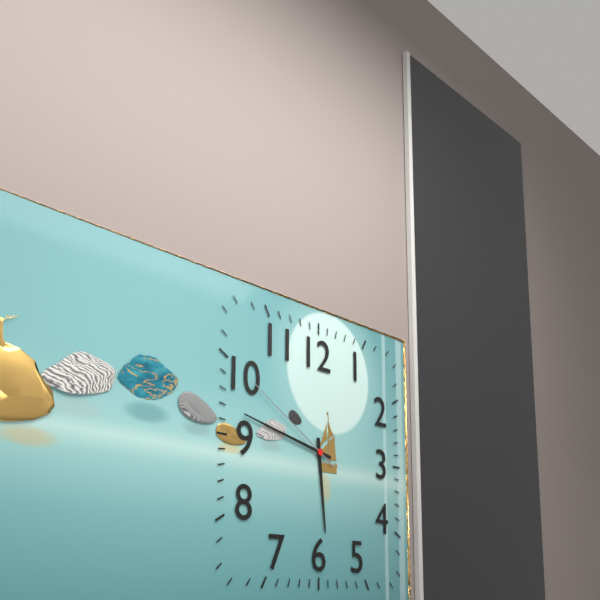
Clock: 5:47:50
